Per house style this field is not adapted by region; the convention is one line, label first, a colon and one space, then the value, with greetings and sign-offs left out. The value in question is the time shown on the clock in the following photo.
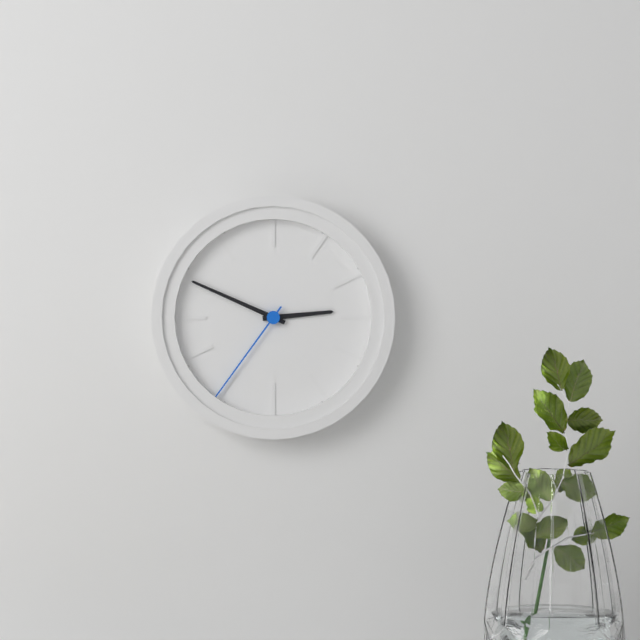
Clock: 2:49:36
